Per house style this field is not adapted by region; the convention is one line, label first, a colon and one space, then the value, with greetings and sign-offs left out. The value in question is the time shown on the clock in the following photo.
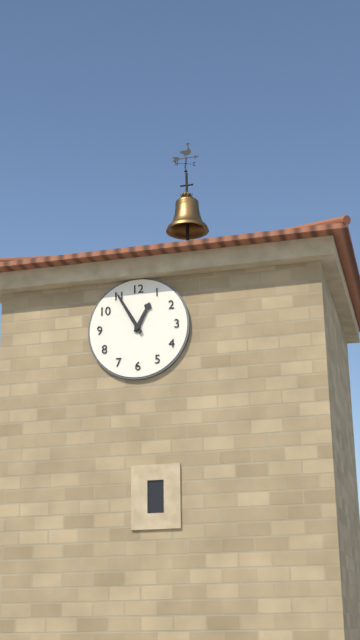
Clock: 12:55
